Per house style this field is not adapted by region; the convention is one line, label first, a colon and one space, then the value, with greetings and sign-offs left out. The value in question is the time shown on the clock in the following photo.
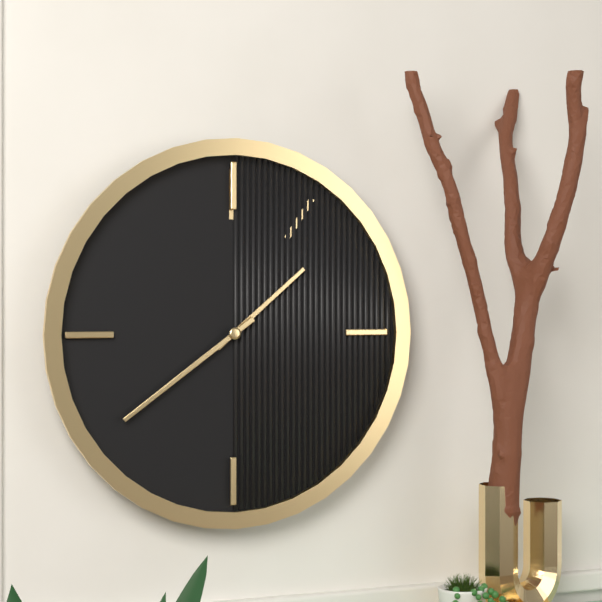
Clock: 1:39
